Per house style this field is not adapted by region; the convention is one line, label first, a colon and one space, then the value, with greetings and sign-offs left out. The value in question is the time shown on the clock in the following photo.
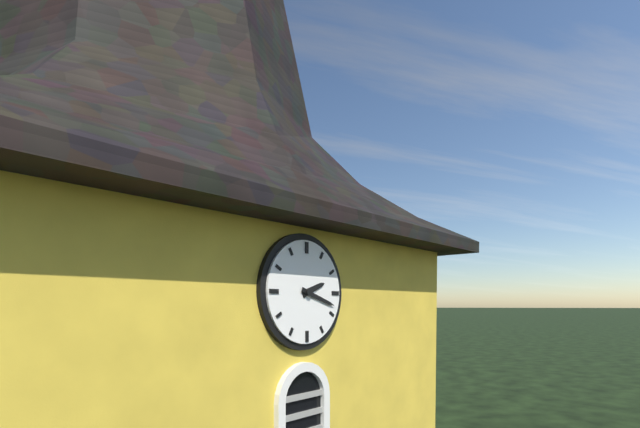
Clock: 2:18
